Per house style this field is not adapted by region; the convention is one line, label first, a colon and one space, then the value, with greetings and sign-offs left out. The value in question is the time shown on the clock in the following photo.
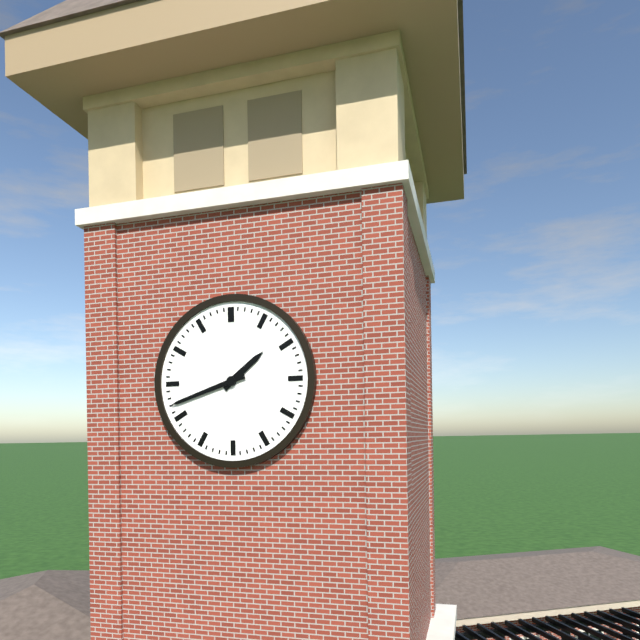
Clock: 1:42
